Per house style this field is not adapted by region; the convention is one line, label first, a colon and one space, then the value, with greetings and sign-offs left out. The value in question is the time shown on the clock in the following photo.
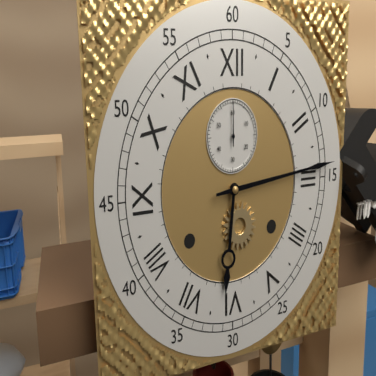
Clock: 6:14
